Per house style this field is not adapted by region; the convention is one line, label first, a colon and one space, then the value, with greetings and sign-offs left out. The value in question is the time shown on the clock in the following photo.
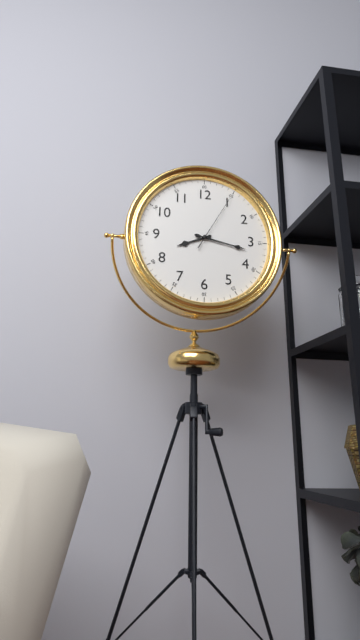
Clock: 8:17:05
